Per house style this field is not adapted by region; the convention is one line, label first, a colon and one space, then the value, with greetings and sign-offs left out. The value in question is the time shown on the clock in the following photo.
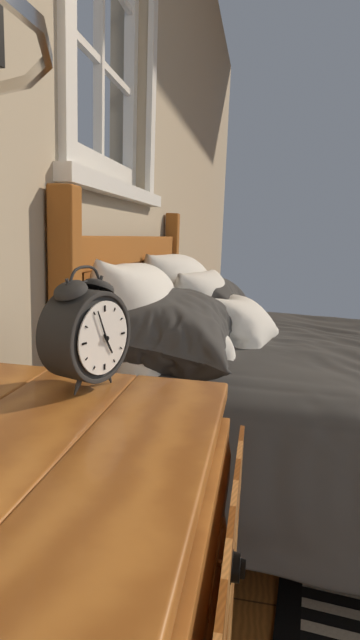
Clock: 4:56
